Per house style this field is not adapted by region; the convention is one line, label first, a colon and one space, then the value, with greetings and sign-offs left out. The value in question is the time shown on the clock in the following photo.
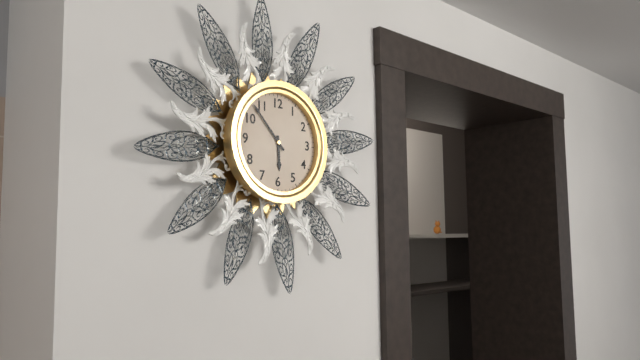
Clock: 5:53
